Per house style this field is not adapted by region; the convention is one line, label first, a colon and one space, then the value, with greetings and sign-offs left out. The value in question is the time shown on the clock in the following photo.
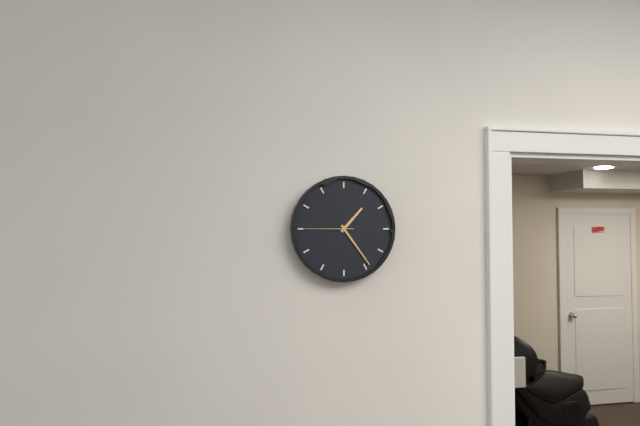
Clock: 1:24
